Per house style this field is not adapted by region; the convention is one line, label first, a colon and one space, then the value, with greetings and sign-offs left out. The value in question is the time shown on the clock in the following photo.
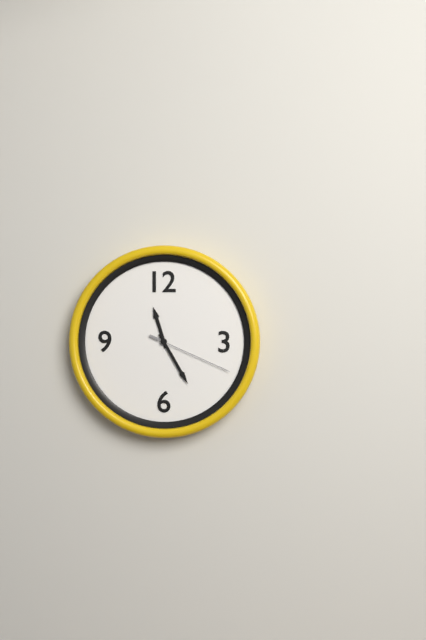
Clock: 11:25:19
